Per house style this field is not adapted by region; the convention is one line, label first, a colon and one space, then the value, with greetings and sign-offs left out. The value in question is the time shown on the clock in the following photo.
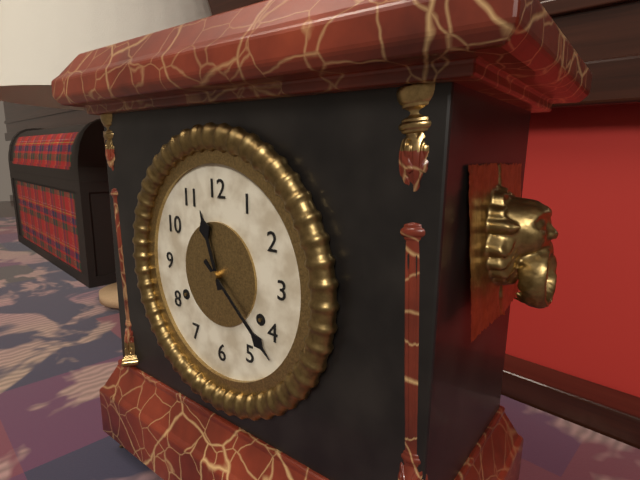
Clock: 11:22
